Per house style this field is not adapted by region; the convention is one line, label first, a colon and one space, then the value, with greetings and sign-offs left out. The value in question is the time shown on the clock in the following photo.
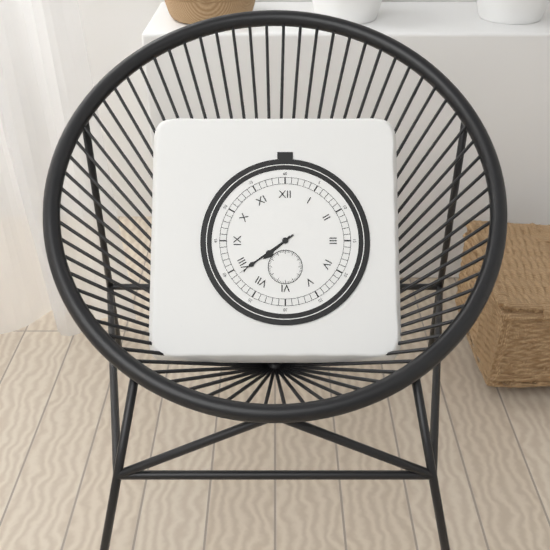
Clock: 7:39
